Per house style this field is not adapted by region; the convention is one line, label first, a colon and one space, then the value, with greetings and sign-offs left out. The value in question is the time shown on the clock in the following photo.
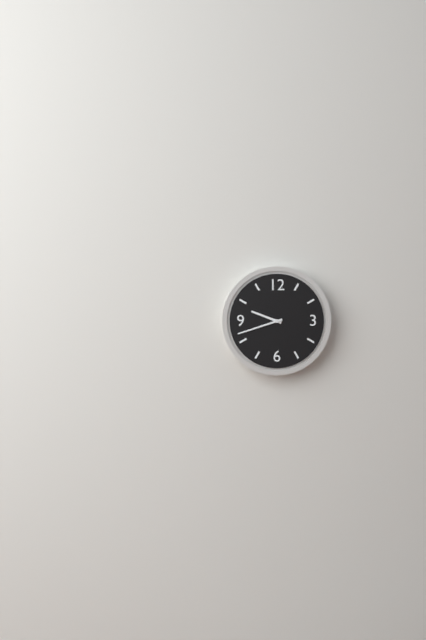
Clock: 9:42
